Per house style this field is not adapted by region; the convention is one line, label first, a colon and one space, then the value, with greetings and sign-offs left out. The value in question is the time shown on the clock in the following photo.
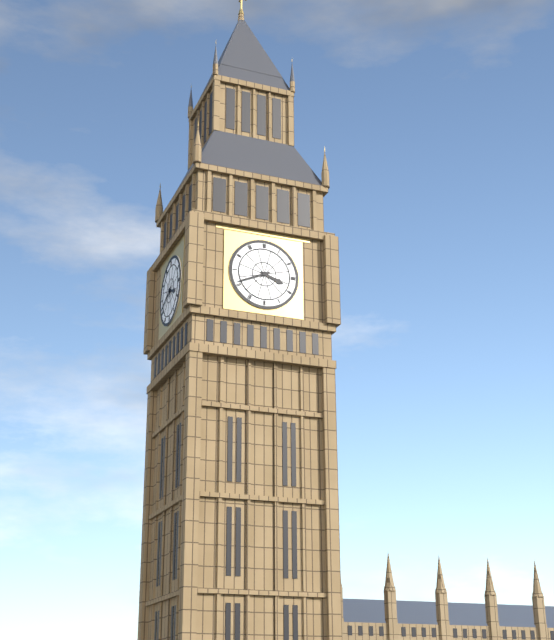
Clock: 3:41
